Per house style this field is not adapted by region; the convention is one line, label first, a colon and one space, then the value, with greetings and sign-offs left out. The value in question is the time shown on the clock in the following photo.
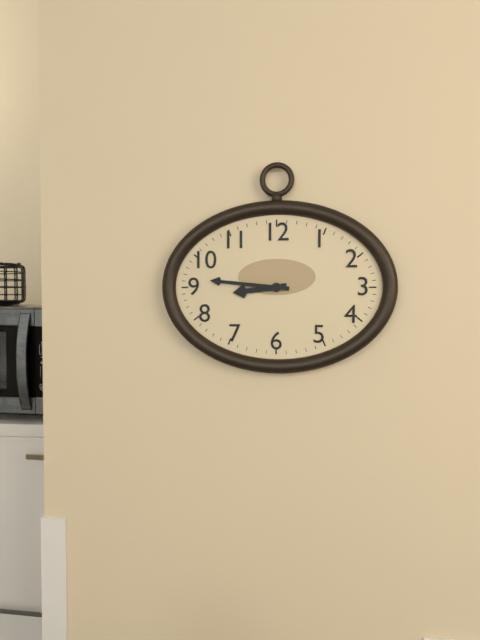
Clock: 8:46
